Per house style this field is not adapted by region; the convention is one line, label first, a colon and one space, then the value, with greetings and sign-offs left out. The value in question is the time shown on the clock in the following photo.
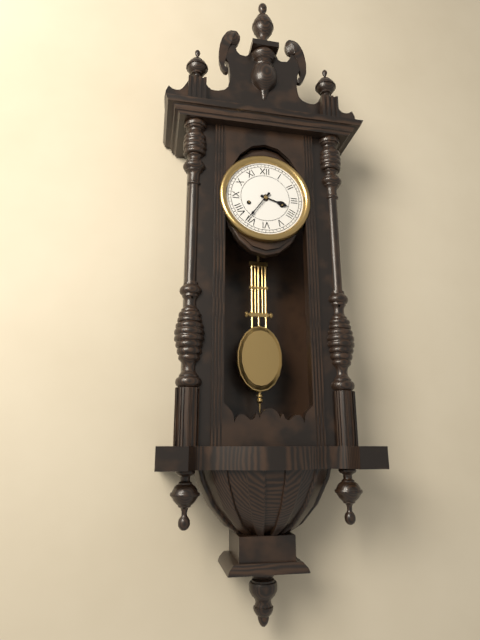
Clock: 3:36
